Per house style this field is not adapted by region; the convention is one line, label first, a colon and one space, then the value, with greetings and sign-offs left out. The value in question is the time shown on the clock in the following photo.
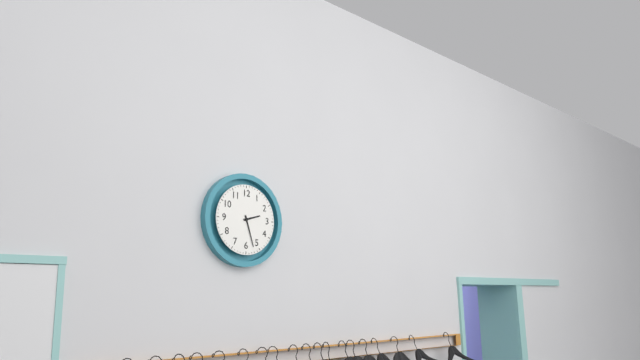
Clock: 2:27
